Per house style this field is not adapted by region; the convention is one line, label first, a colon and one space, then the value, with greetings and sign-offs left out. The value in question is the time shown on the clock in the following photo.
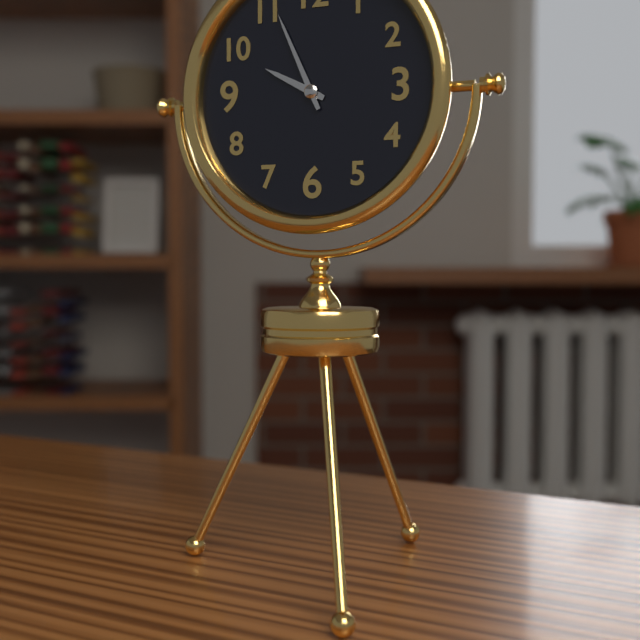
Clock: 9:56
